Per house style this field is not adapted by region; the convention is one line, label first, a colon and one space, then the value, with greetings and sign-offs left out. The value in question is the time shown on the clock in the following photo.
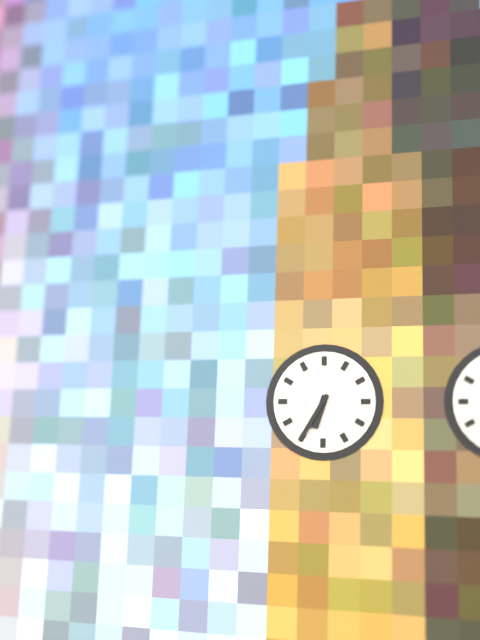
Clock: 6:35
